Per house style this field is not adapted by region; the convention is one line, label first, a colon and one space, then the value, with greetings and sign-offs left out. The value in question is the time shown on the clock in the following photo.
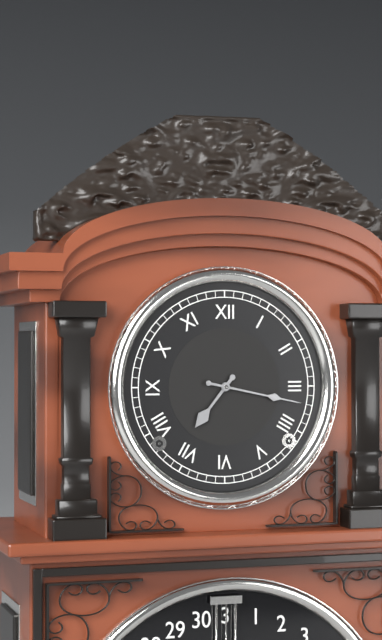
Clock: 7:17
